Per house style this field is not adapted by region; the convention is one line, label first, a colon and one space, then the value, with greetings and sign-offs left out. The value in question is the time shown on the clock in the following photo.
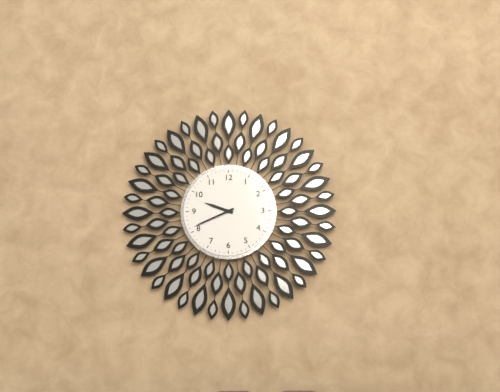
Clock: 9:41
